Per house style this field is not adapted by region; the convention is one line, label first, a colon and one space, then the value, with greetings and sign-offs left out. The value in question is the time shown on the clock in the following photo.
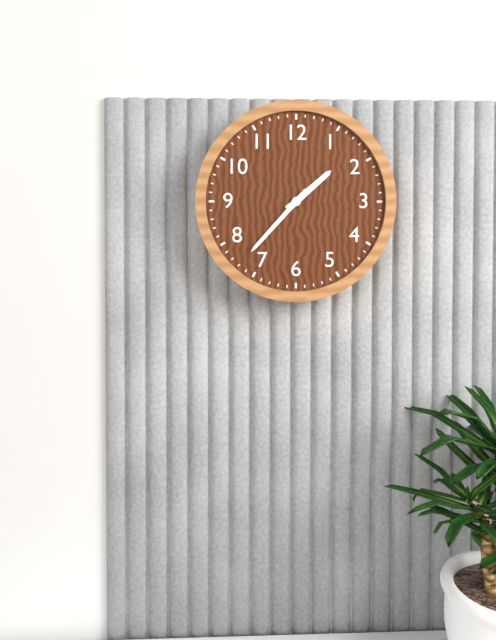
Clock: 1:37
